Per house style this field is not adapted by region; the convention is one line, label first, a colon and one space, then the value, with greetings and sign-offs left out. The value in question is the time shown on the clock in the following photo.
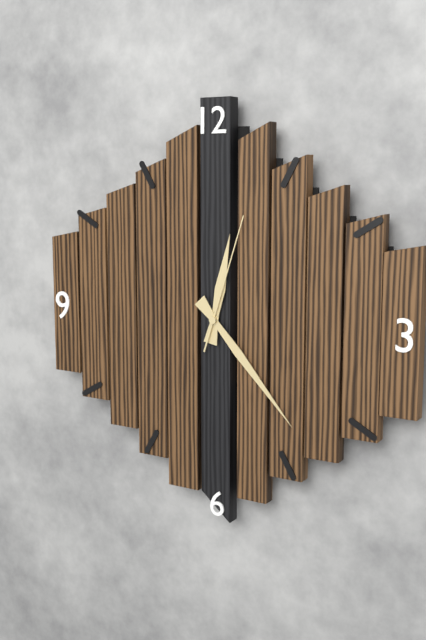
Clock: 12:23:03
